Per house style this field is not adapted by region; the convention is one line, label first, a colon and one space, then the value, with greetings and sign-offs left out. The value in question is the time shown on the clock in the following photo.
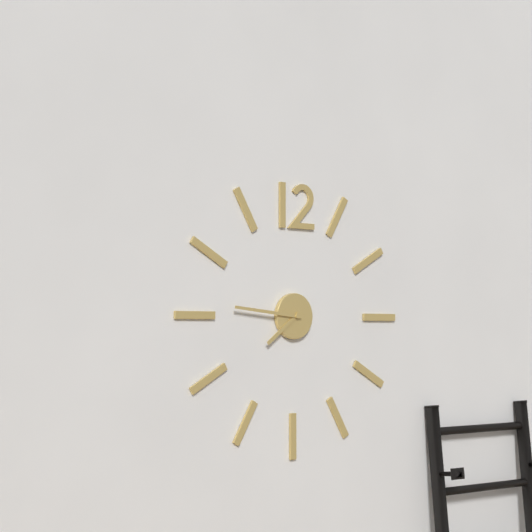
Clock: 7:46
